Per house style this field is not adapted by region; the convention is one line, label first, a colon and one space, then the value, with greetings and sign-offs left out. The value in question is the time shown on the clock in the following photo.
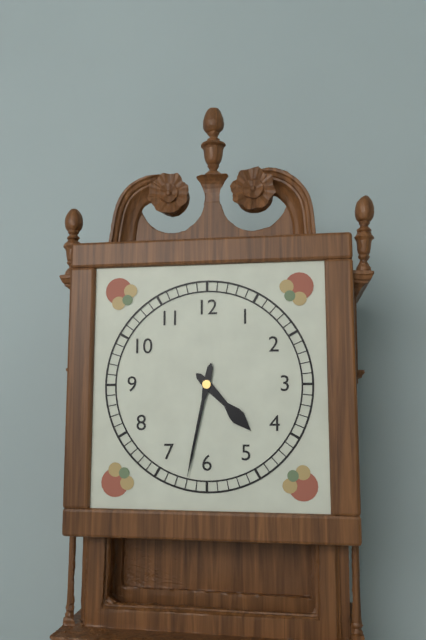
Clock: 4:32
